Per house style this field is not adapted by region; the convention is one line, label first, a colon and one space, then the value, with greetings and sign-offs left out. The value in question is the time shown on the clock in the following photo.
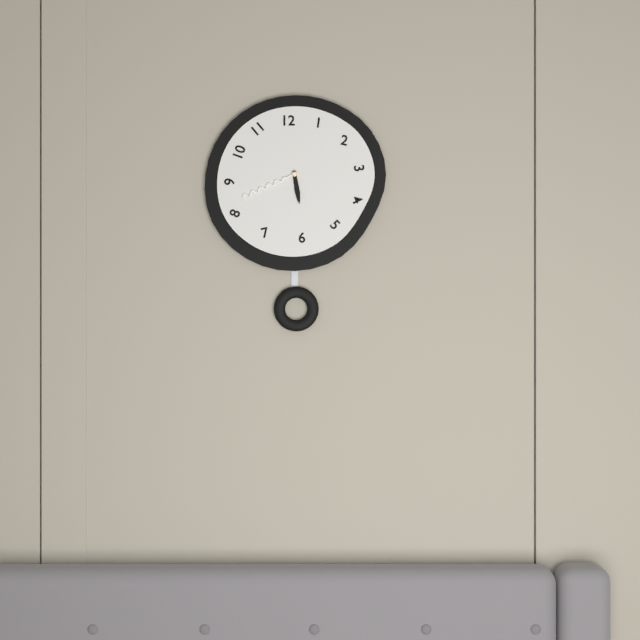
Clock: 5:41
